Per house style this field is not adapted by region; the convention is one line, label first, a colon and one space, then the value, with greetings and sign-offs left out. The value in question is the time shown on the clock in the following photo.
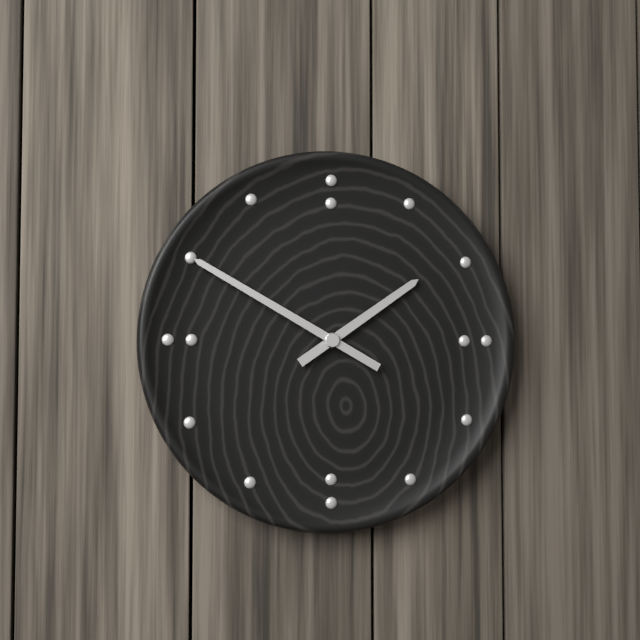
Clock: 1:50
